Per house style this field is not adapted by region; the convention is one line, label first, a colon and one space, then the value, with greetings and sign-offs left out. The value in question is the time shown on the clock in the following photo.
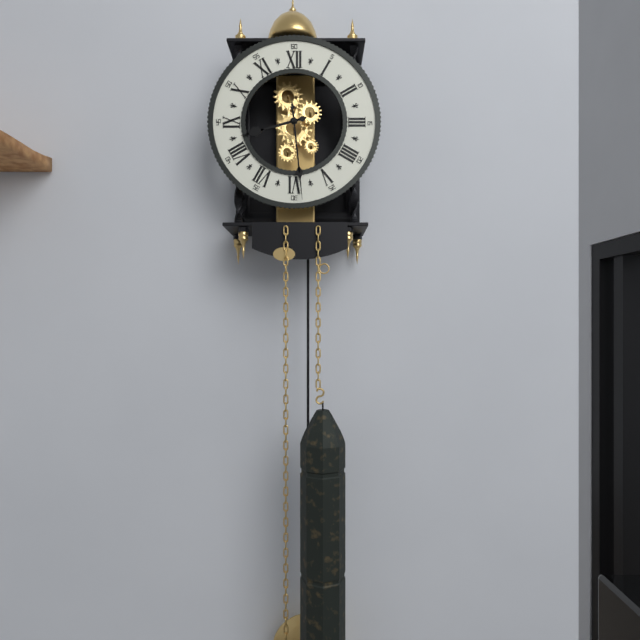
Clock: 8:29
